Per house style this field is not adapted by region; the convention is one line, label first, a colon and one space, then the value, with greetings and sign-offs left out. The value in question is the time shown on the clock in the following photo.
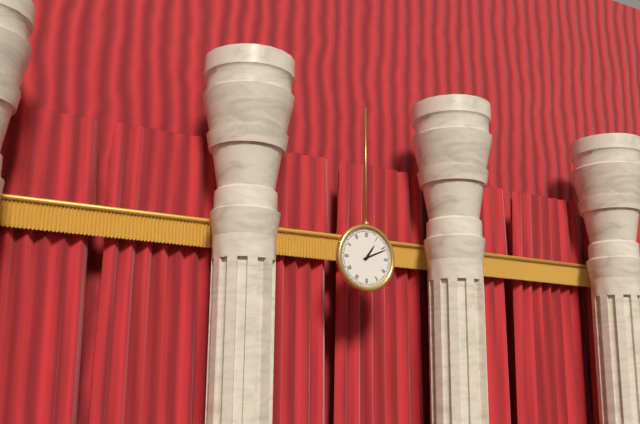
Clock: 1:11
